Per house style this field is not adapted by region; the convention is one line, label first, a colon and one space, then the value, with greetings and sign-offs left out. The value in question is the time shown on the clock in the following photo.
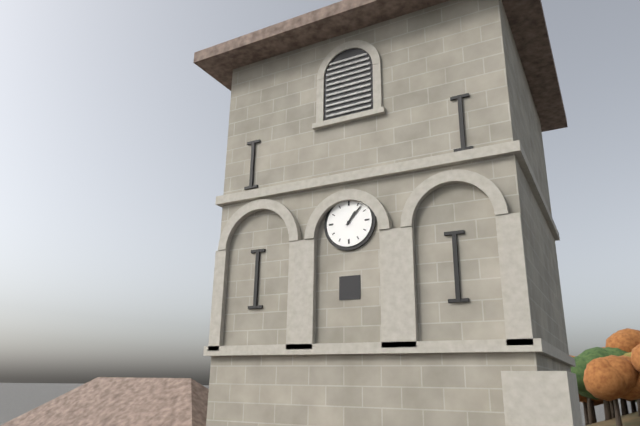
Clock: 1:07
